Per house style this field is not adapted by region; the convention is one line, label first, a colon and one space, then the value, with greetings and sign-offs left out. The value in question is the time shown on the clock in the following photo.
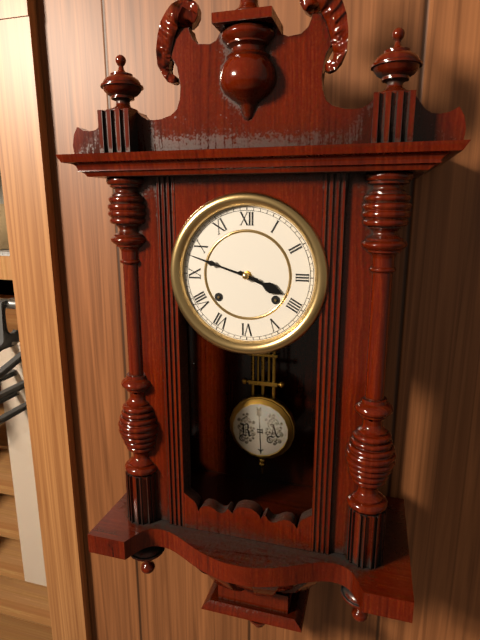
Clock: 3:48
